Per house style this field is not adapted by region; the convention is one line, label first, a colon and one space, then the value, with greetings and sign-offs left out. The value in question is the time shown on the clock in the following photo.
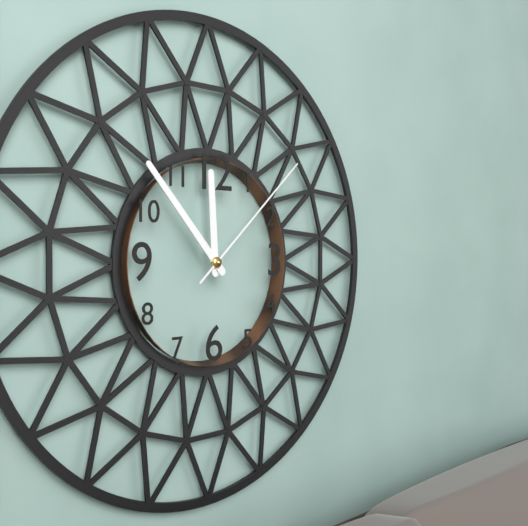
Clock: 11:53:08
